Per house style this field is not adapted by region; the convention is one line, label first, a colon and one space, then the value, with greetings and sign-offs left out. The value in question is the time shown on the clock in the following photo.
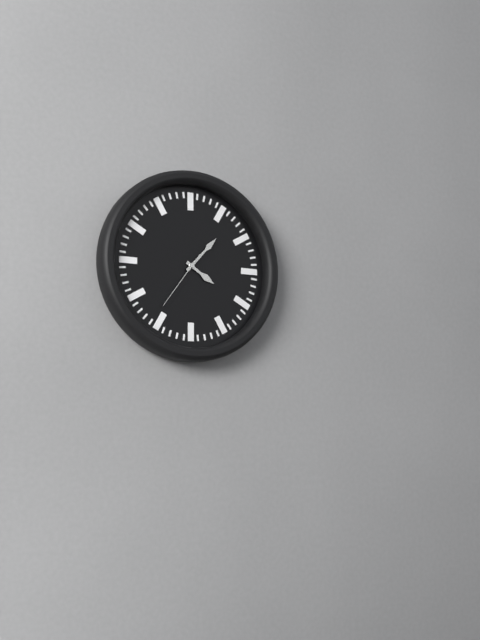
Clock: 4:07:36
